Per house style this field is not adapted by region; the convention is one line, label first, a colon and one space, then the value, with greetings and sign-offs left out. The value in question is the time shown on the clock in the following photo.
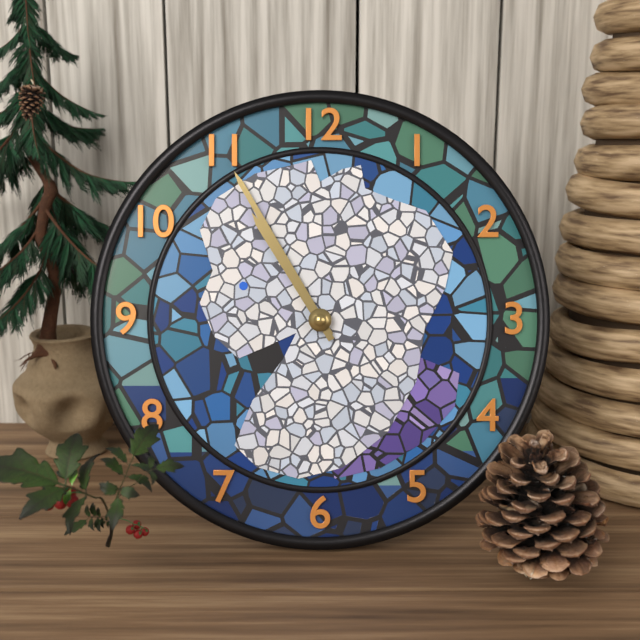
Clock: 10:55
